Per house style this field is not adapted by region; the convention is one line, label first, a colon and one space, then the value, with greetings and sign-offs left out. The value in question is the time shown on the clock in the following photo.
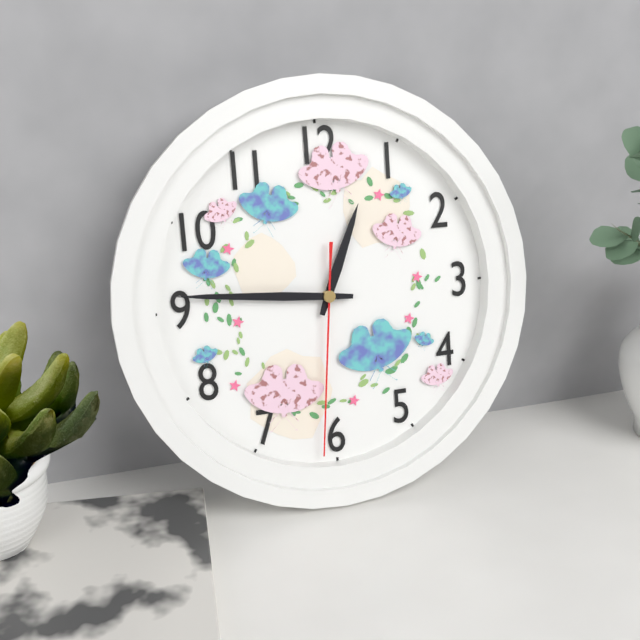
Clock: 12:46:31
